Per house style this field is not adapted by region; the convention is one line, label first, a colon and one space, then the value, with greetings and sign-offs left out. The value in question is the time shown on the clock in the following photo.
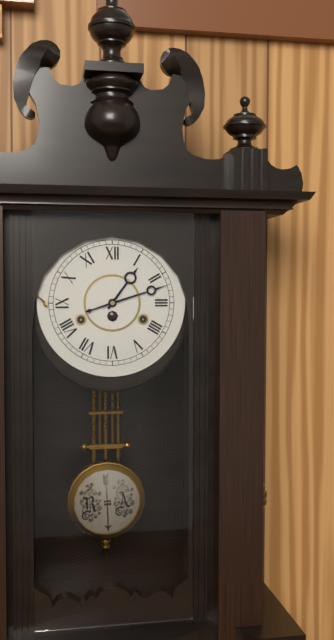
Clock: 1:12
